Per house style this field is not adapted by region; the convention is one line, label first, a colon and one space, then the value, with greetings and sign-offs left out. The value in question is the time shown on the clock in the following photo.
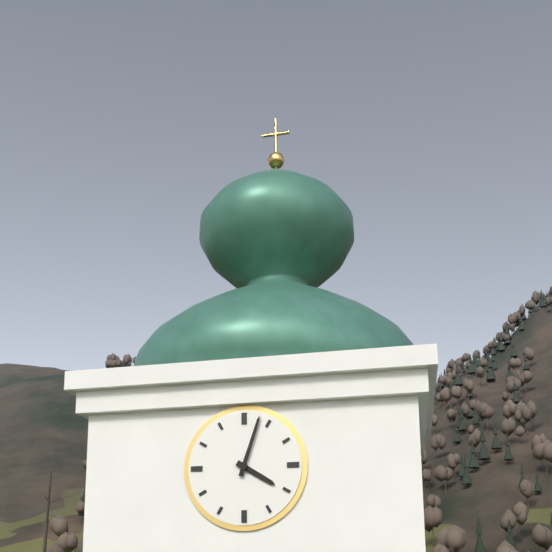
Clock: 4:03
